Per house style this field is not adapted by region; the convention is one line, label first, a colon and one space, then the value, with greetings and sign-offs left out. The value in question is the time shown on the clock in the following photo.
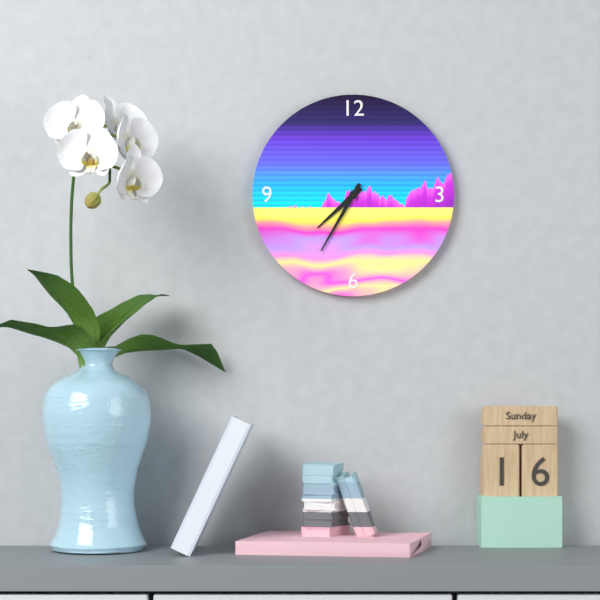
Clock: 7:35
